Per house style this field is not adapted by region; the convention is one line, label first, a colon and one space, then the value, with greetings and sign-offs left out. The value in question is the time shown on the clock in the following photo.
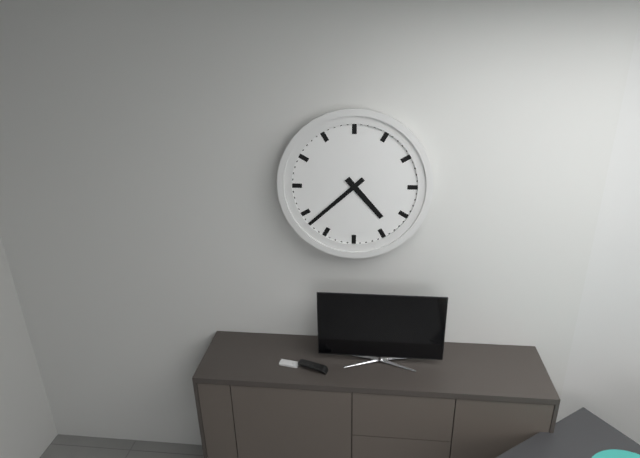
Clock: 4:38
